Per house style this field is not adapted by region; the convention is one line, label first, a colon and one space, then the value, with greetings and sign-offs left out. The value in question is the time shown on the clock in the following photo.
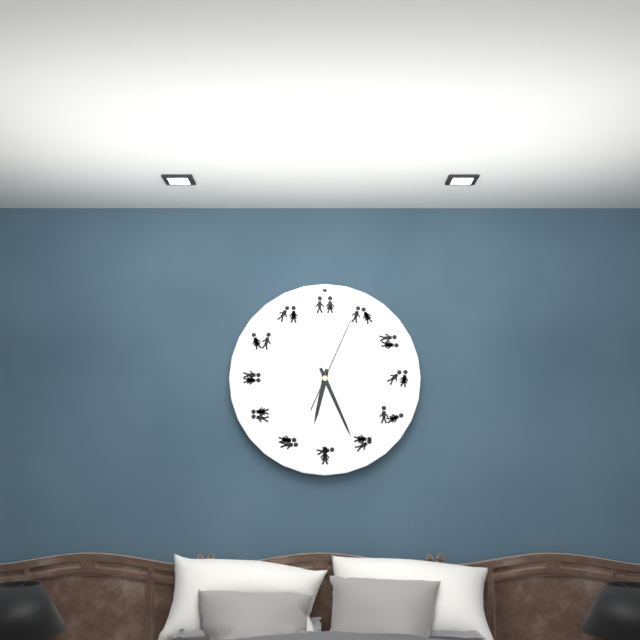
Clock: 6:26:04
